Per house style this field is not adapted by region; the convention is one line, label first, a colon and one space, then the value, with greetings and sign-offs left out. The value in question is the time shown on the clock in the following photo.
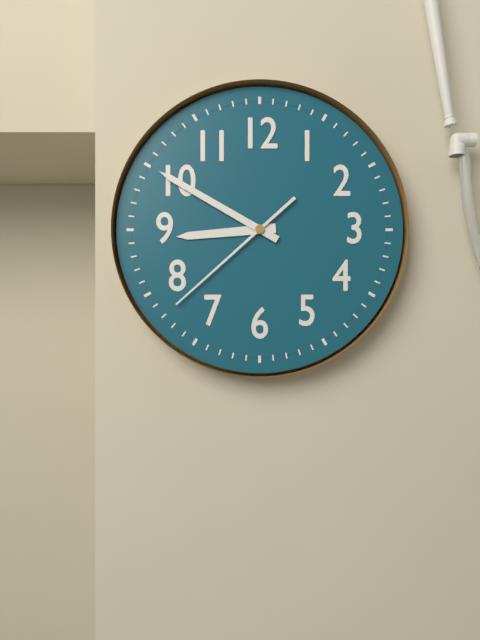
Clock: 8:50:38
